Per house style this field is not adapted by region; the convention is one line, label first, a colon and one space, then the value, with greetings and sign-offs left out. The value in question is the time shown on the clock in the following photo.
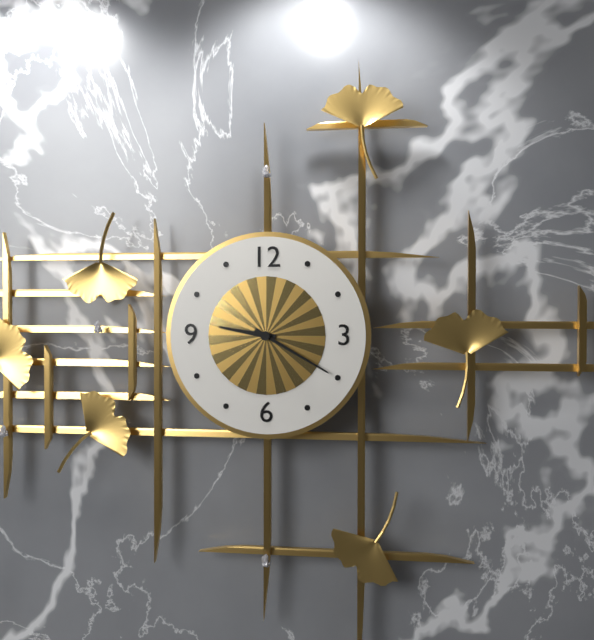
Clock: 9:20
